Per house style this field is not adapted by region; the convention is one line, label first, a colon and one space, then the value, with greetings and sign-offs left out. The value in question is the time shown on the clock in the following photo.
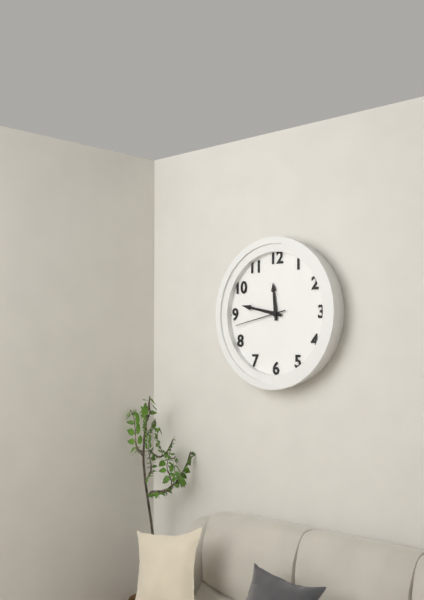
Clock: 11:47:43
